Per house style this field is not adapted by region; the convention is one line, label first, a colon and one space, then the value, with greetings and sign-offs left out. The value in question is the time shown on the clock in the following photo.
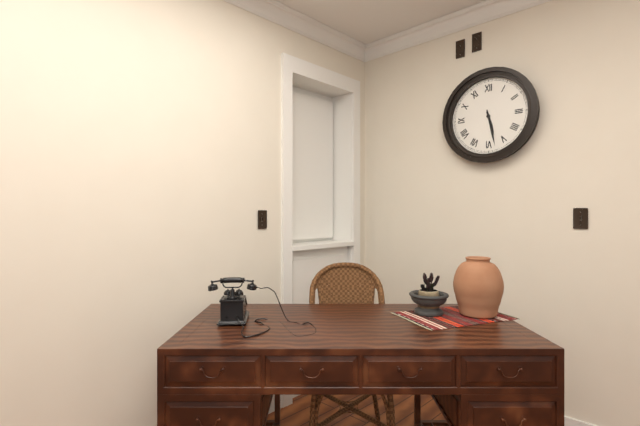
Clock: 5:28
